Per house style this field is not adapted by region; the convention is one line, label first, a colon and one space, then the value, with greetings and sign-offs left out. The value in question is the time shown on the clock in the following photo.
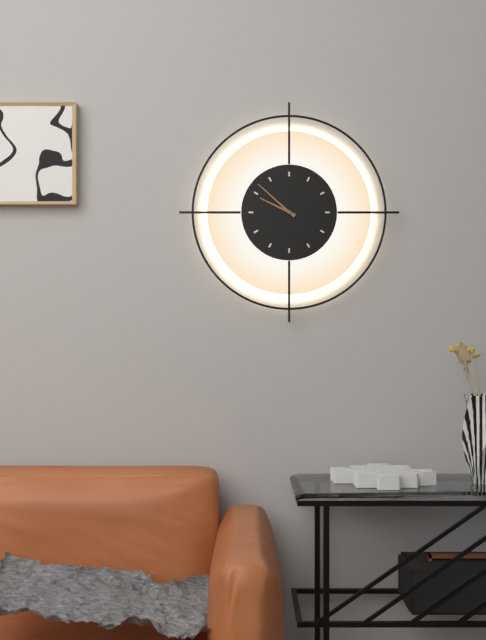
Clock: 9:52
